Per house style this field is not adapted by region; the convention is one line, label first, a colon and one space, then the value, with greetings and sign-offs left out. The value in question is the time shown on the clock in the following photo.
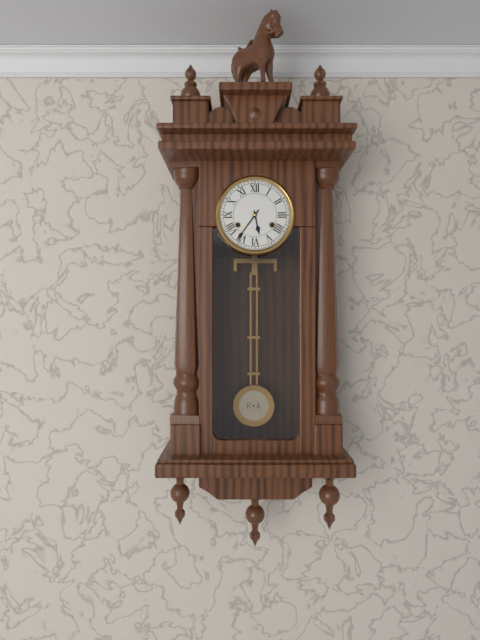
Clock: 5:36
